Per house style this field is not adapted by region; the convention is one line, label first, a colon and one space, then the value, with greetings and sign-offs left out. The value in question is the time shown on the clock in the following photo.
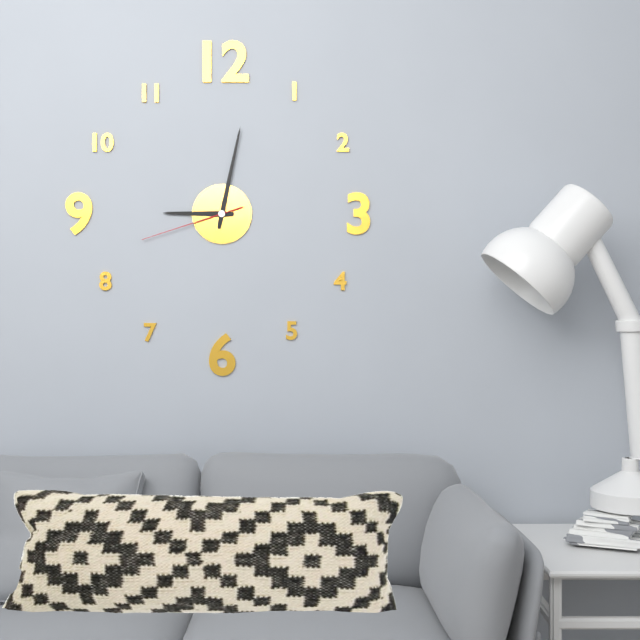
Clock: 9:02:42
